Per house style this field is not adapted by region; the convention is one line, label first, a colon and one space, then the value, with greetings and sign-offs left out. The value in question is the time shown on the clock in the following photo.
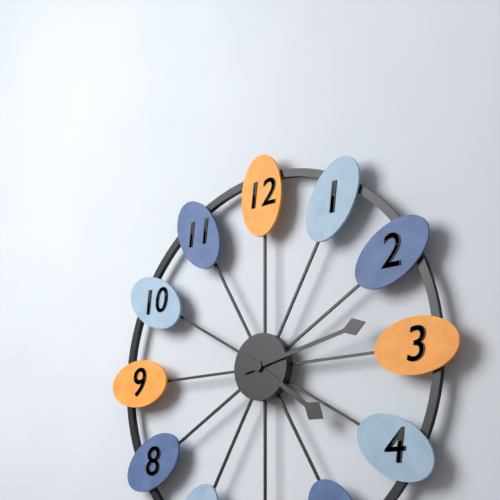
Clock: 4:13
